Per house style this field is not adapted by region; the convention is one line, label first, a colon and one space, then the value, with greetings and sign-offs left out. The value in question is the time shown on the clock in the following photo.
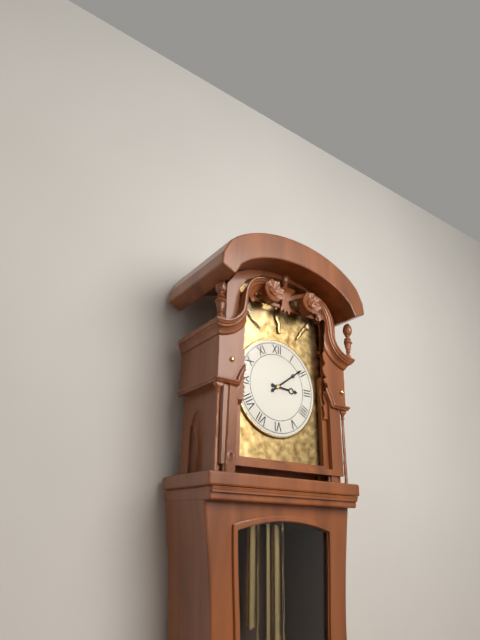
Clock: 3:09
